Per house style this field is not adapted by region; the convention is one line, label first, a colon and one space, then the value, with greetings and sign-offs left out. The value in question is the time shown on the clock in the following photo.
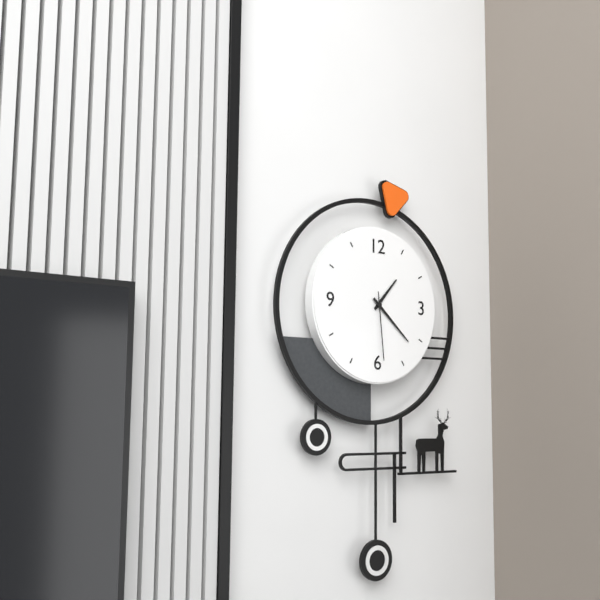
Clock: 1:22:29
